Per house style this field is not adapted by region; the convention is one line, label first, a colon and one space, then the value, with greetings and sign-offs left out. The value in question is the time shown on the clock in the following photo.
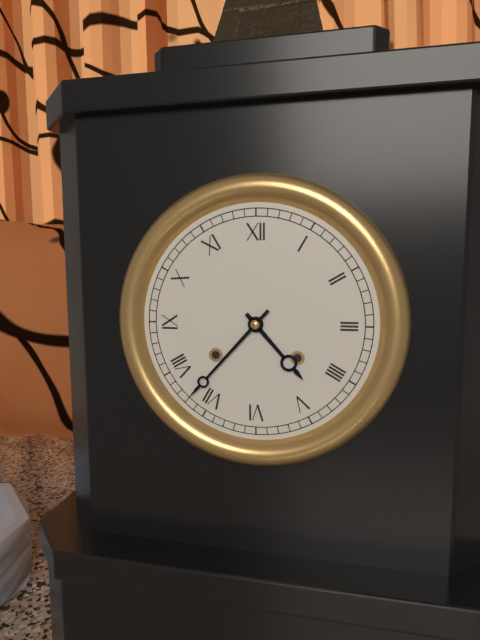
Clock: 4:37
